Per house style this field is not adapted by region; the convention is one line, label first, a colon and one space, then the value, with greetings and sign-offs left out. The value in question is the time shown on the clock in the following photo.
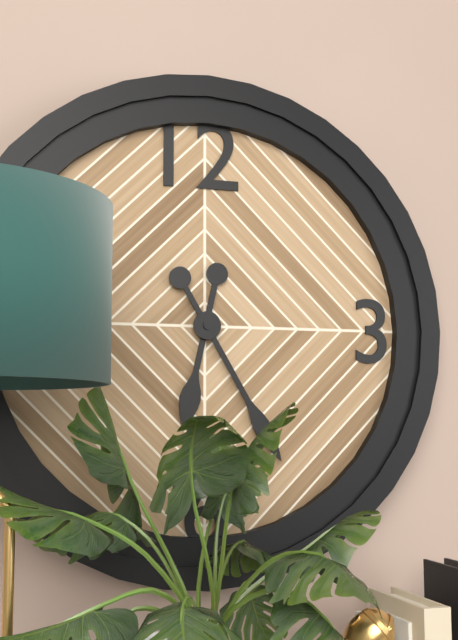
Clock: 6:25
